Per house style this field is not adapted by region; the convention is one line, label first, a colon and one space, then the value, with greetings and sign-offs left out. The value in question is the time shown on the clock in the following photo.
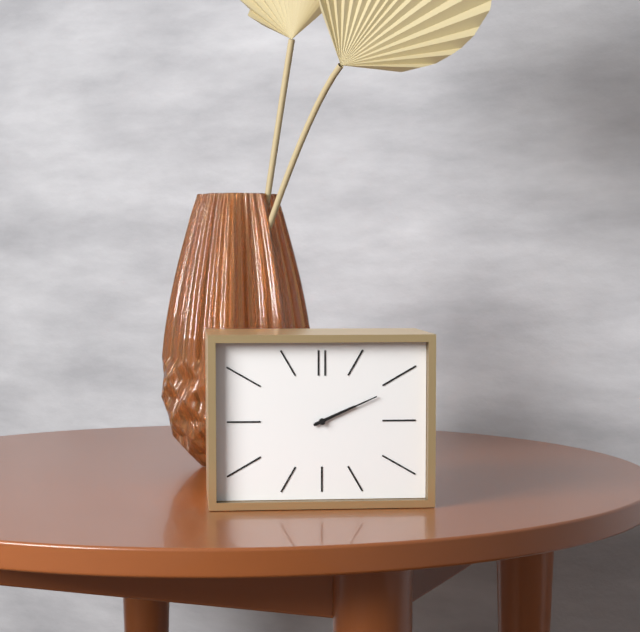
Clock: 2:11
